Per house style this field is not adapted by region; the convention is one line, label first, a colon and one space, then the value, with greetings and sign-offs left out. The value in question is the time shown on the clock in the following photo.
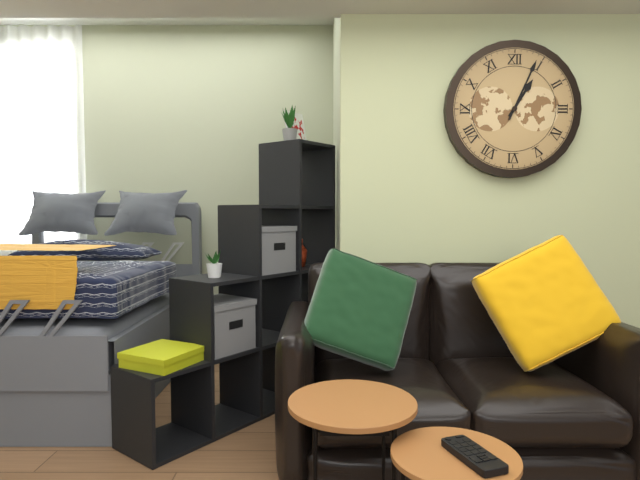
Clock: 1:04
